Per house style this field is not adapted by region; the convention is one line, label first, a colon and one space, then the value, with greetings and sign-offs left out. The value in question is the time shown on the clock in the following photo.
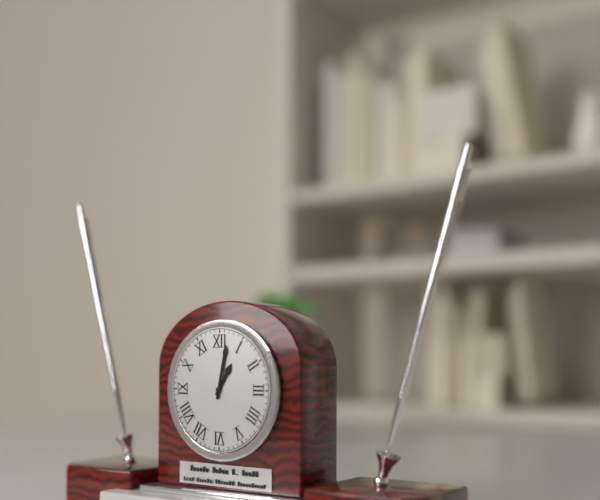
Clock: 1:02
